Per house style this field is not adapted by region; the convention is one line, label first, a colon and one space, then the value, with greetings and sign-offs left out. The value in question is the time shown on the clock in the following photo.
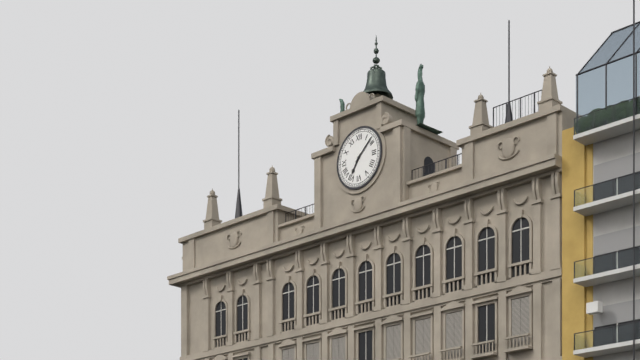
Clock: 7:08
